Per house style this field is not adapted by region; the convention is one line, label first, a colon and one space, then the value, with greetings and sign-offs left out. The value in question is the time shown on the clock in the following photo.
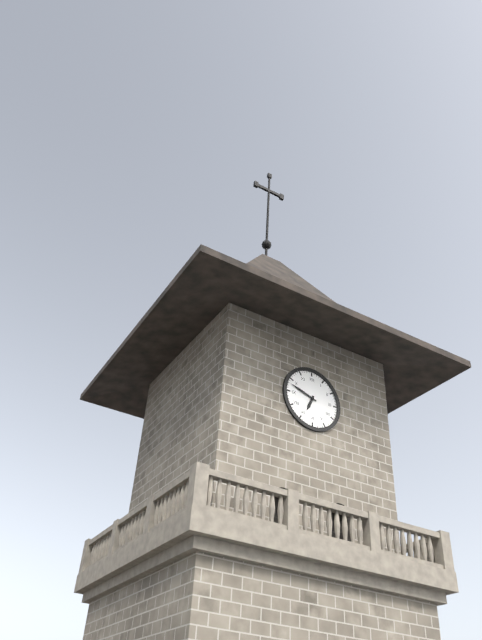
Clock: 6:48
